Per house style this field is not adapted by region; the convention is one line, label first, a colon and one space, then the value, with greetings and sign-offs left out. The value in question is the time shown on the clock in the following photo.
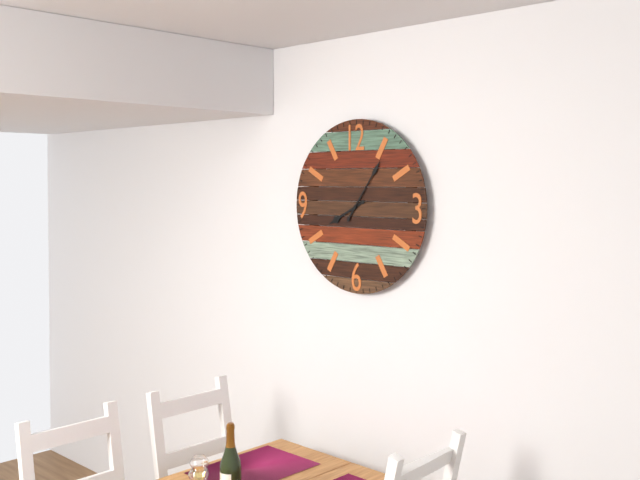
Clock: 8:06
